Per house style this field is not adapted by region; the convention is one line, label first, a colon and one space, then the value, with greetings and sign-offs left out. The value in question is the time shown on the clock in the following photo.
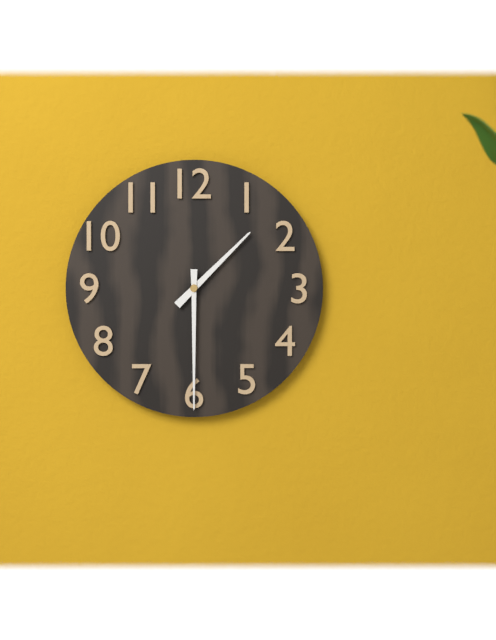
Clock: 1:30
